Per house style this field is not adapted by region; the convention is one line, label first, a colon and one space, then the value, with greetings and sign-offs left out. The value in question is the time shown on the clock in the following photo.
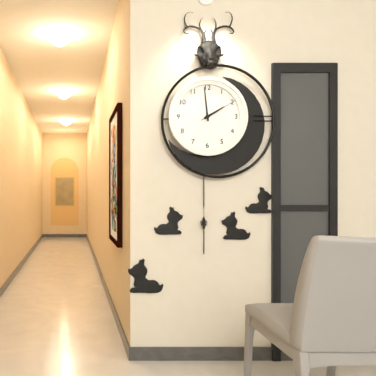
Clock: 1:59
